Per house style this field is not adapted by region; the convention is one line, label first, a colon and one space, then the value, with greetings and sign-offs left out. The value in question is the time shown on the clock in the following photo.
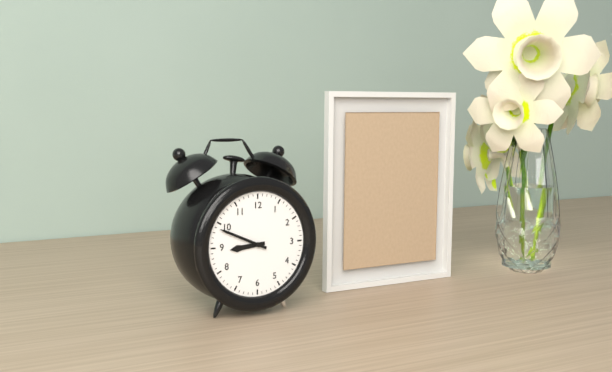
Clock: 8:49
